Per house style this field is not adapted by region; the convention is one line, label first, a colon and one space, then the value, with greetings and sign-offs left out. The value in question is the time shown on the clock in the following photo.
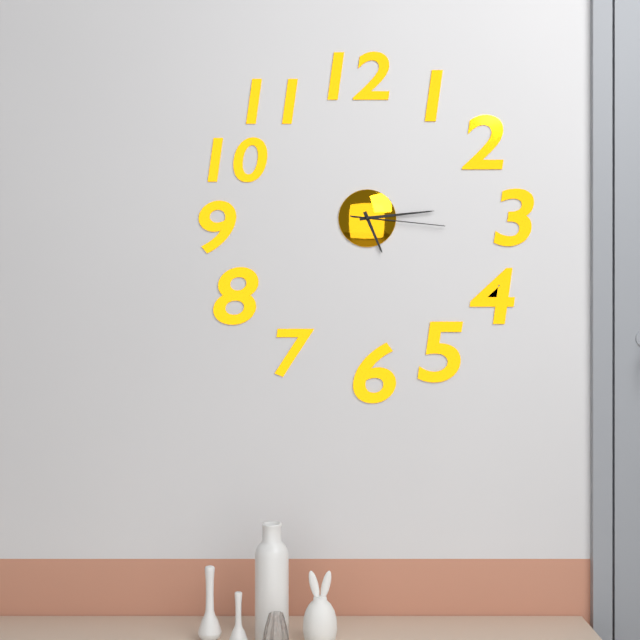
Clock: 5:14:16
